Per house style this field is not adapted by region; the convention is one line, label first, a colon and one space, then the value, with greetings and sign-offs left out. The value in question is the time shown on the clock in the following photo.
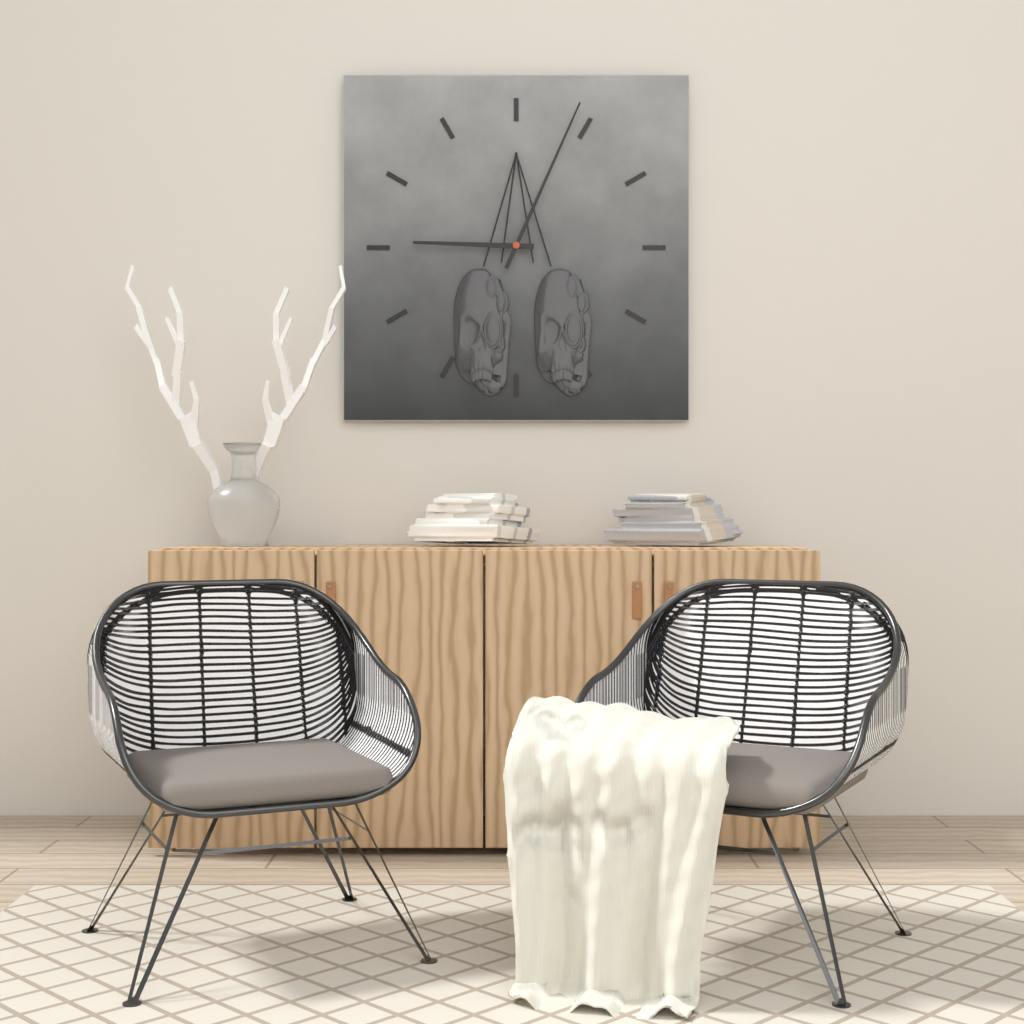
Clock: 9:04
